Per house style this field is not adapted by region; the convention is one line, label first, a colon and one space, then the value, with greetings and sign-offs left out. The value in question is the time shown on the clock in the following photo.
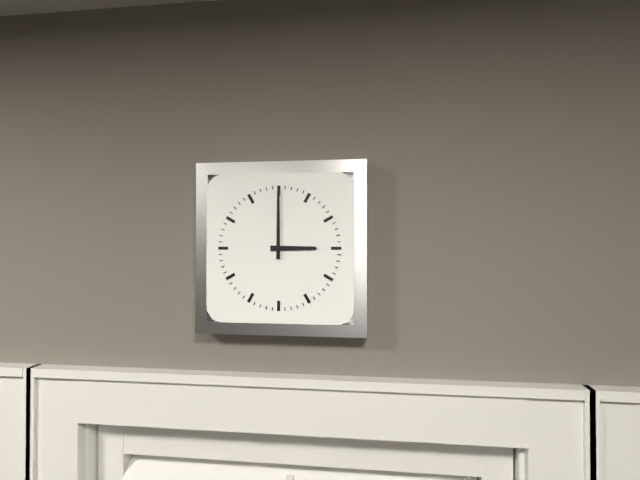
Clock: 3:00
